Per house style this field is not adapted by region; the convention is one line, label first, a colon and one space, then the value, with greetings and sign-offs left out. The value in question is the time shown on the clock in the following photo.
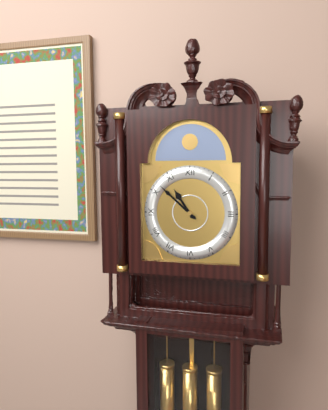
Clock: 10:52
